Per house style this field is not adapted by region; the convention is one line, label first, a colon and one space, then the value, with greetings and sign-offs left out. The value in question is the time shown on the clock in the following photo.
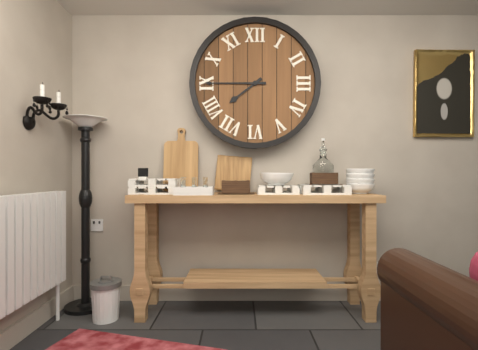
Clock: 7:45
